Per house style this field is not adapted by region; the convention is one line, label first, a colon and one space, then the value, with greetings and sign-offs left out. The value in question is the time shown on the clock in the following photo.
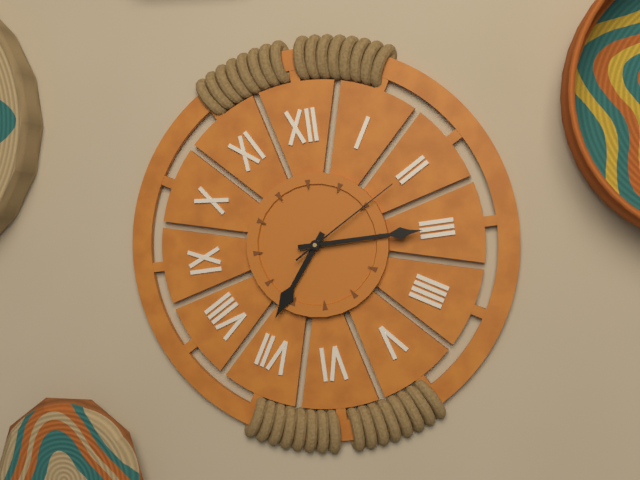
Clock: 7:15:10
